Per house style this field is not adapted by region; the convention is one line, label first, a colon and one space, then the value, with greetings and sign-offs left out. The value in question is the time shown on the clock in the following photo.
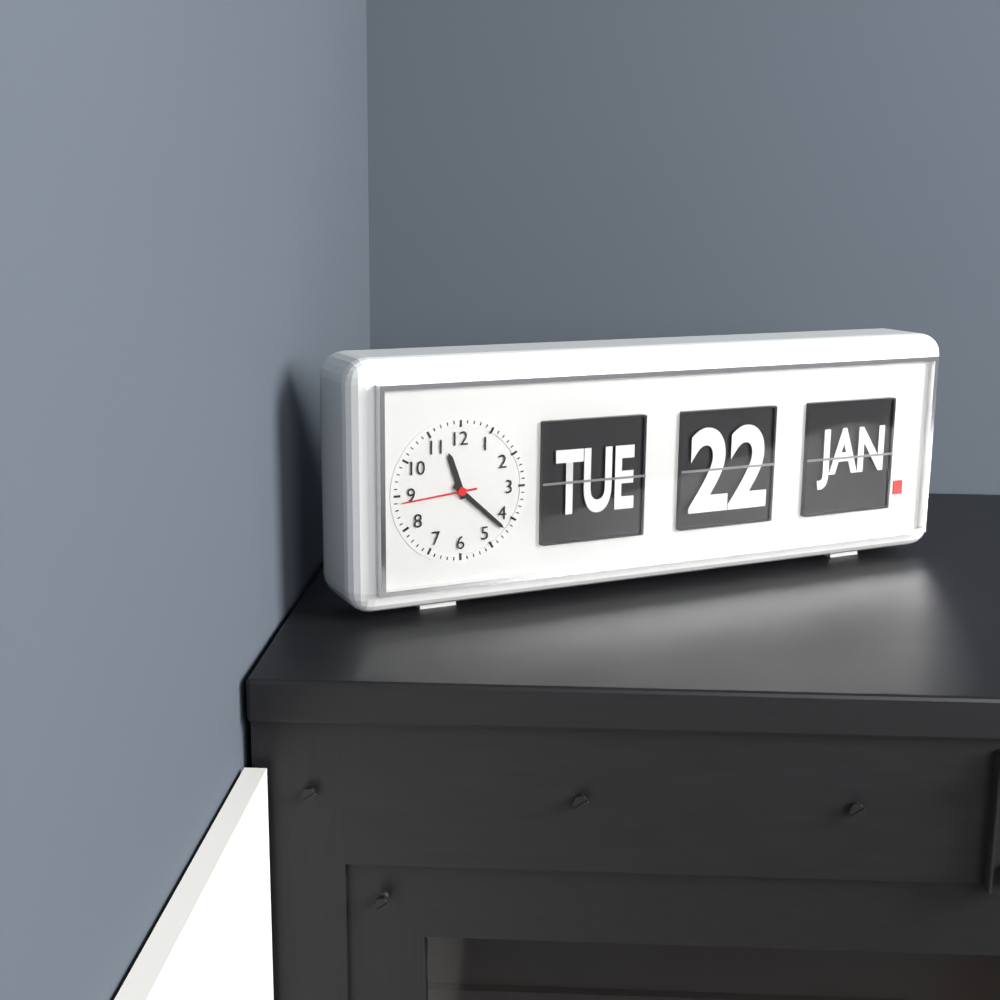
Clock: 11:22:44
